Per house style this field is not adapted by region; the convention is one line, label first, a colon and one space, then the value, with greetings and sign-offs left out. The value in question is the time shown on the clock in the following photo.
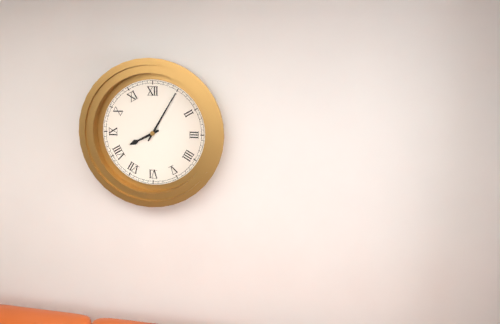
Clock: 8:05
